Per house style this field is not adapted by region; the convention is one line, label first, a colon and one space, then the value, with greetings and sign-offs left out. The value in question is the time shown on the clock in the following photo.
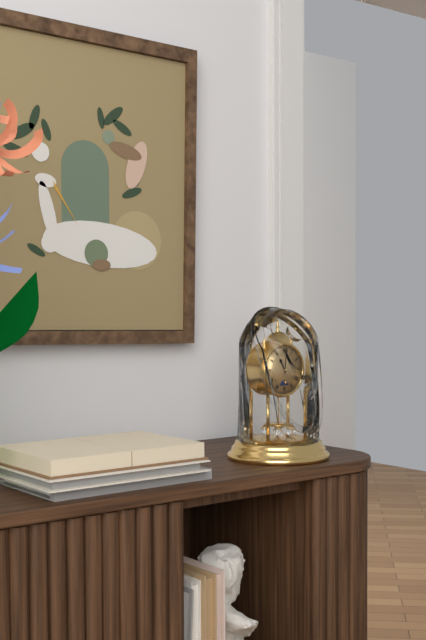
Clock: 11:01
